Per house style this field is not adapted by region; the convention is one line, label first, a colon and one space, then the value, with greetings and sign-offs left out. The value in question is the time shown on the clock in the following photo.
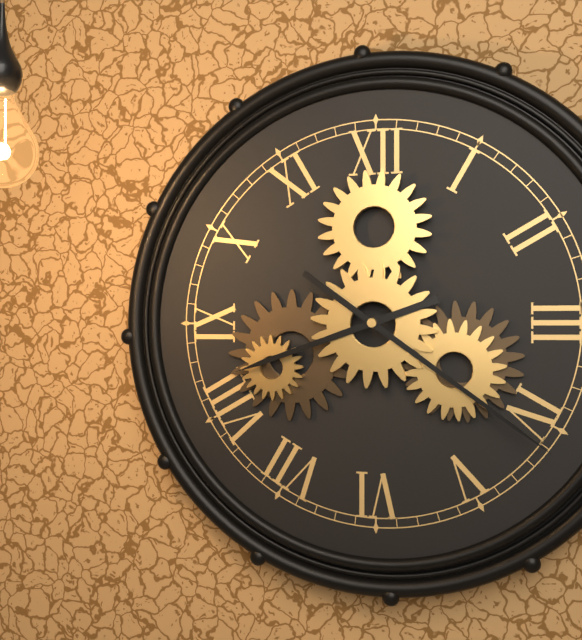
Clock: 8:21
